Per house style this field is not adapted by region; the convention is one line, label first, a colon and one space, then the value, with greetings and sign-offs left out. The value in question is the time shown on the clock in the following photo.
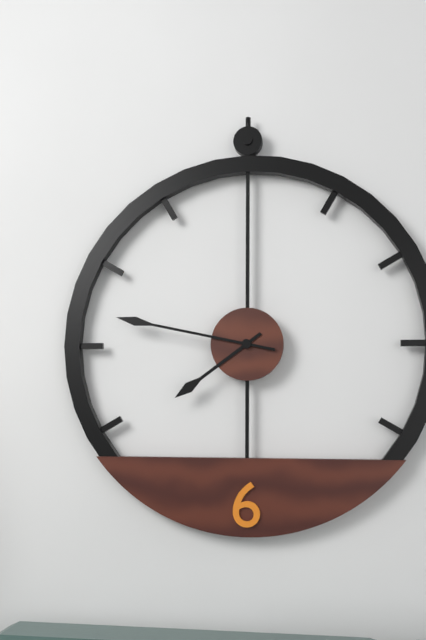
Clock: 7:47
